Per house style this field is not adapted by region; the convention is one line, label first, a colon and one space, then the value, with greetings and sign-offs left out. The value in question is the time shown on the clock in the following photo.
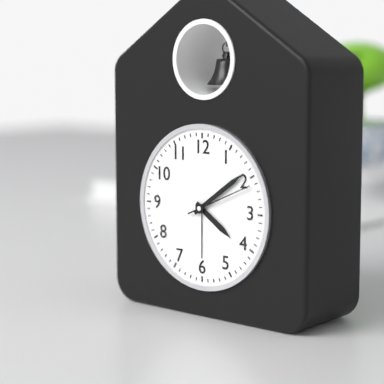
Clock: 4:09:11
